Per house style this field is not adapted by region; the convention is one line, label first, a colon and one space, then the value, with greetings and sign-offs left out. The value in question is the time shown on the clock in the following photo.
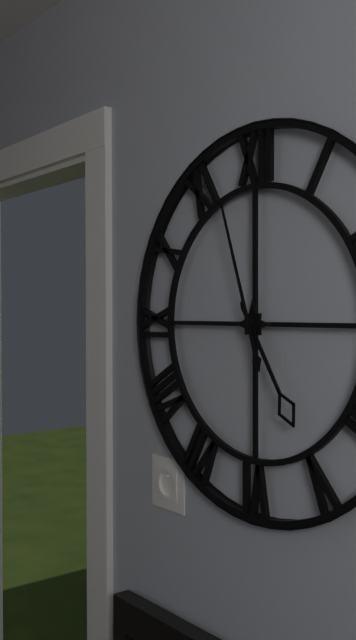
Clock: 4:57
